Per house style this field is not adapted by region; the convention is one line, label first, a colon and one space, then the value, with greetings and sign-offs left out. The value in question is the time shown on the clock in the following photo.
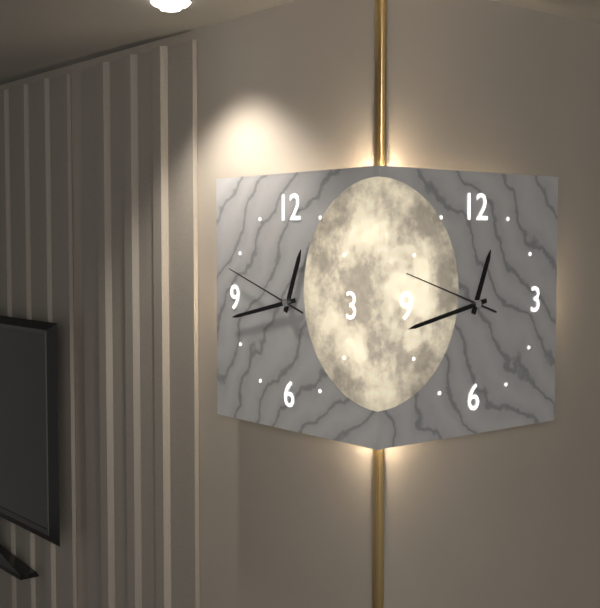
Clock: 12:43:48
